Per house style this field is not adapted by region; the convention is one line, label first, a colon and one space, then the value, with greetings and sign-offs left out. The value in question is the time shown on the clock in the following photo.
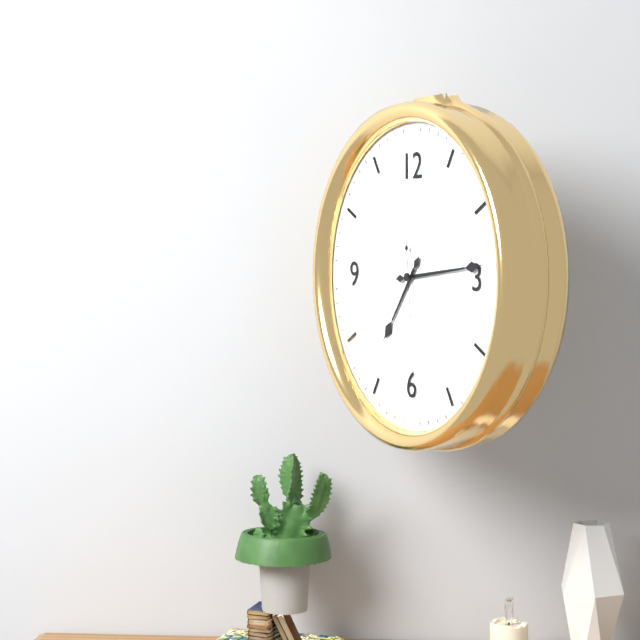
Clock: 7:14:29
